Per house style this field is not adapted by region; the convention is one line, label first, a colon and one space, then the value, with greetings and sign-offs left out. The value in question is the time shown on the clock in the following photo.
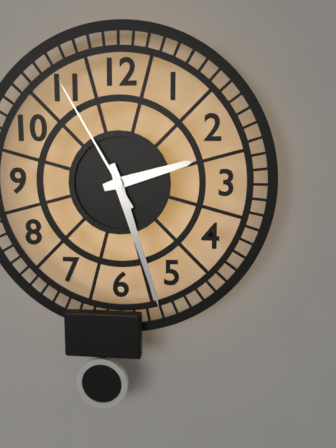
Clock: 2:27:55
